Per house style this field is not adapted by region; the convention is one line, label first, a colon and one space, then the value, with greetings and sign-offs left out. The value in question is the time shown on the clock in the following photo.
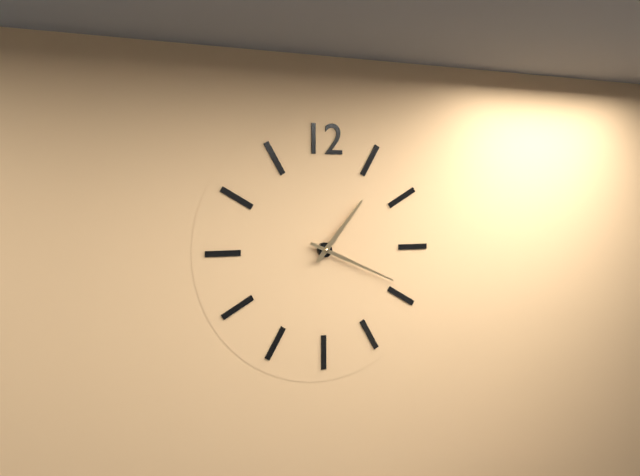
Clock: 1:19
